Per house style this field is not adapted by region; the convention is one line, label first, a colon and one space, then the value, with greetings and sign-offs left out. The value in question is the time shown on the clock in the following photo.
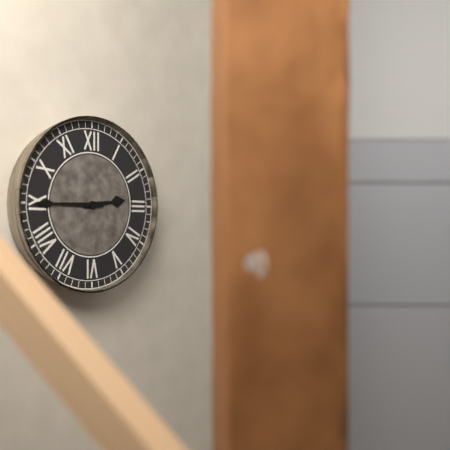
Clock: 2:45
